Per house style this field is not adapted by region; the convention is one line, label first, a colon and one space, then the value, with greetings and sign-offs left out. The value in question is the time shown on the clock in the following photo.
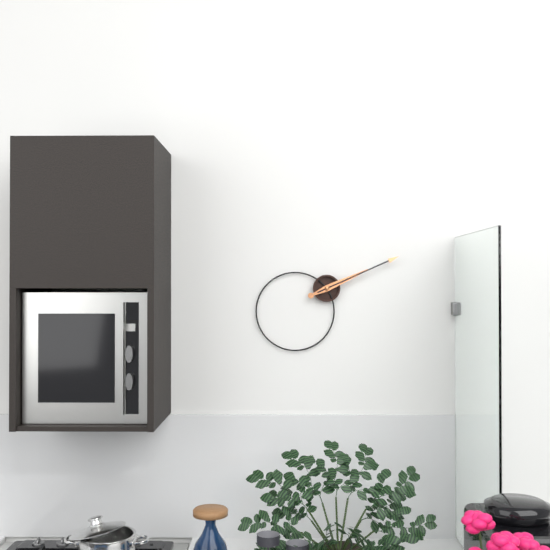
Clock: 2:11
